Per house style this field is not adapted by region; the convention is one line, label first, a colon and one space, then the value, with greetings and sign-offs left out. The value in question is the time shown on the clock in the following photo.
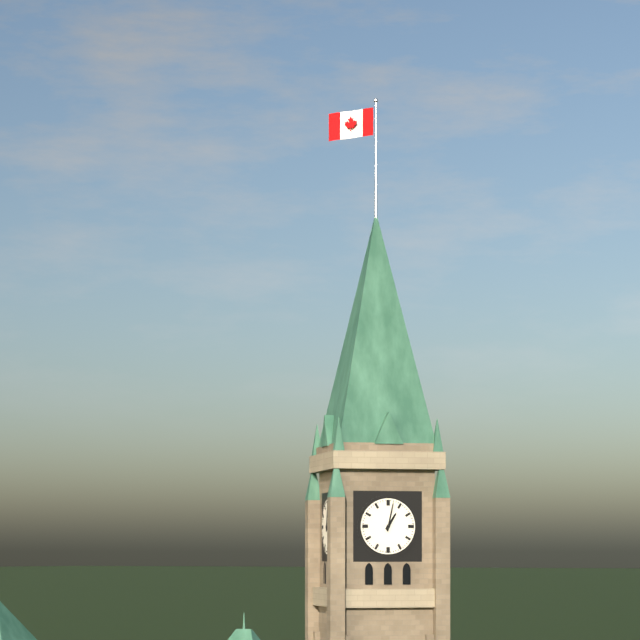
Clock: 1:02
